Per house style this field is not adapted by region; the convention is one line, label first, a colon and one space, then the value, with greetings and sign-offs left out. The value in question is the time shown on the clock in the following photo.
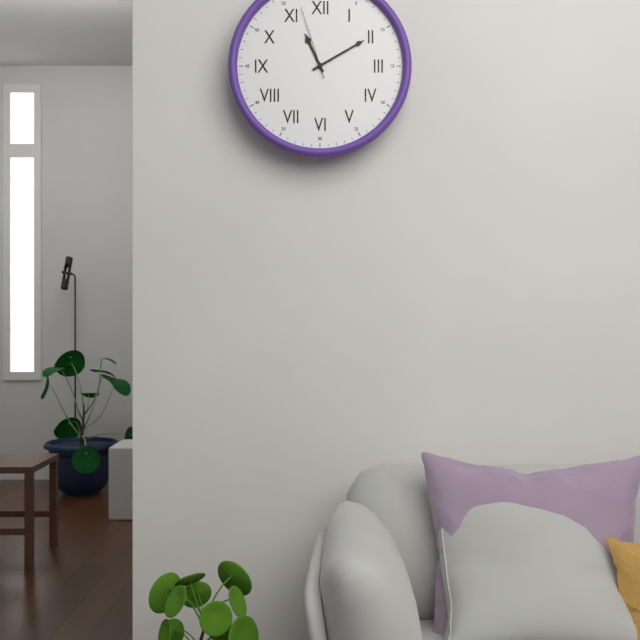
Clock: 11:10:57
